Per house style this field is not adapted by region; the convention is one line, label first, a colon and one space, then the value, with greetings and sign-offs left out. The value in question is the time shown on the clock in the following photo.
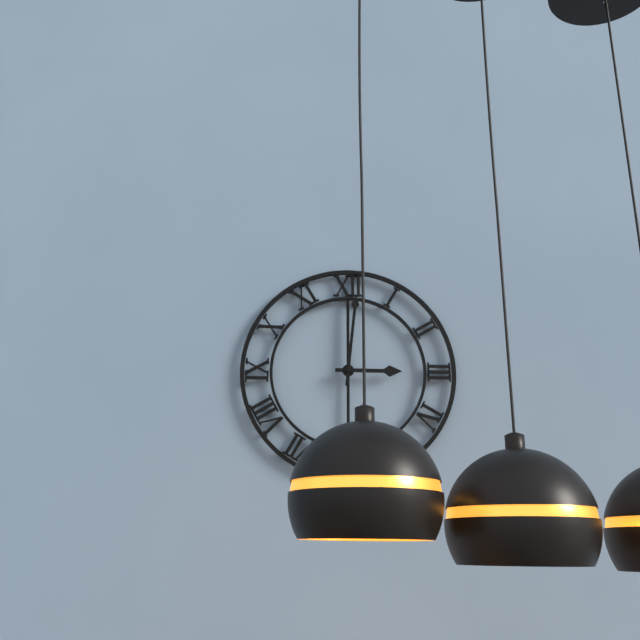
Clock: 3:01
